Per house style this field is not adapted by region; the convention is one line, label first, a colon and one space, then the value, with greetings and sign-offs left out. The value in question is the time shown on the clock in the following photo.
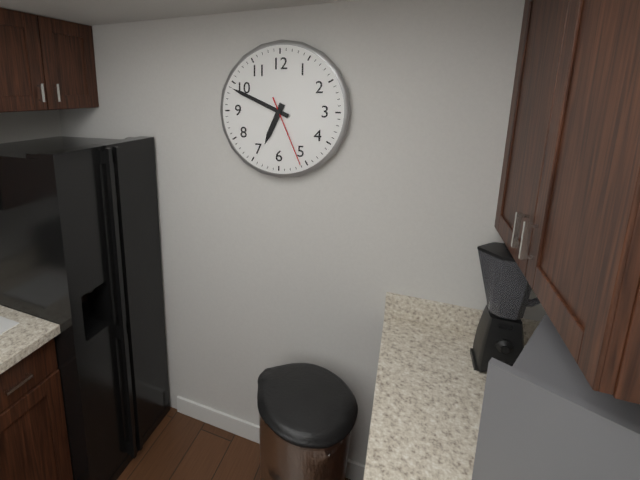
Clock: 6:49:26
